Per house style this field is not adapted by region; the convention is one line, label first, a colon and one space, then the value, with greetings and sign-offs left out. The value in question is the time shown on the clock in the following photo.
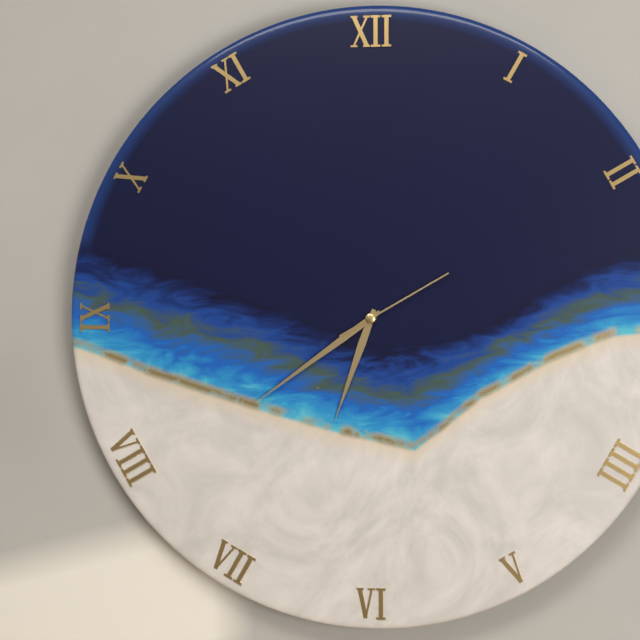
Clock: 6:39:10
